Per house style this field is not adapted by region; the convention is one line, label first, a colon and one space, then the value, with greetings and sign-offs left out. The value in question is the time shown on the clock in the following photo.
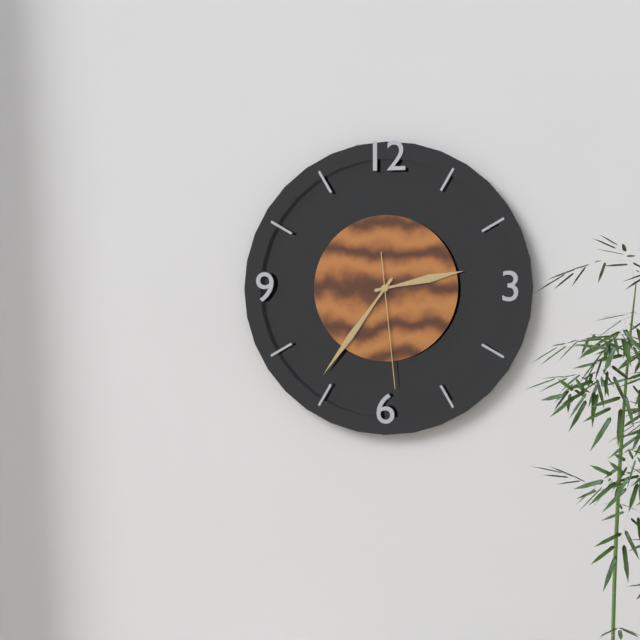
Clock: 2:36:29
